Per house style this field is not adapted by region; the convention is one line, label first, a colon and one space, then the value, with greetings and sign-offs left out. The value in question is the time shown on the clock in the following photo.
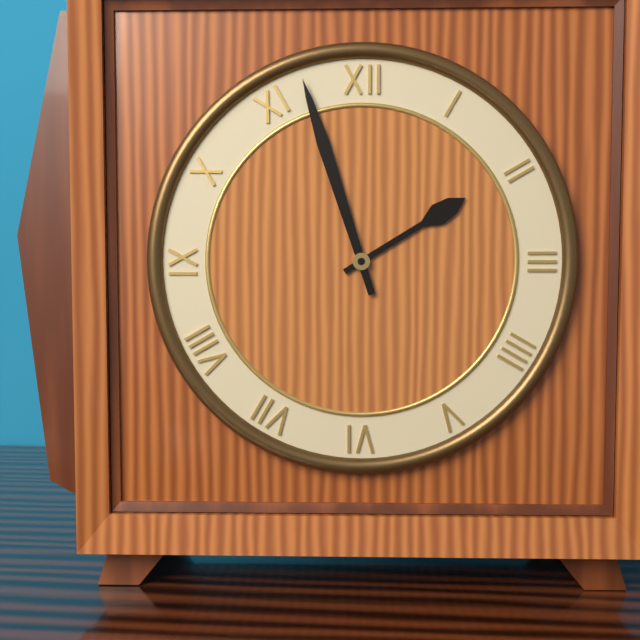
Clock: 1:57
